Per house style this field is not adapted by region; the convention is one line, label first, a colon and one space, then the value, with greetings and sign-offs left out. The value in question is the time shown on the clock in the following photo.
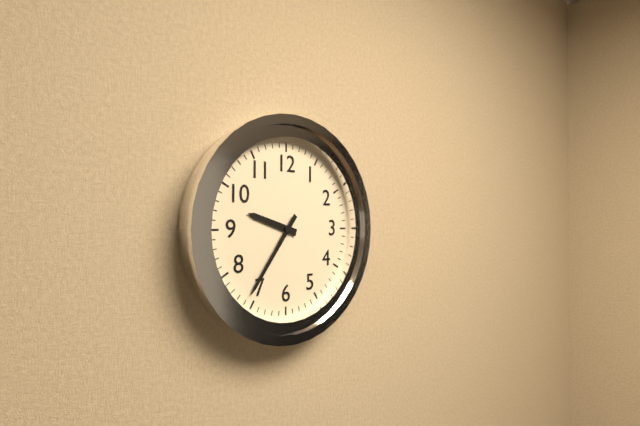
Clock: 9:36
